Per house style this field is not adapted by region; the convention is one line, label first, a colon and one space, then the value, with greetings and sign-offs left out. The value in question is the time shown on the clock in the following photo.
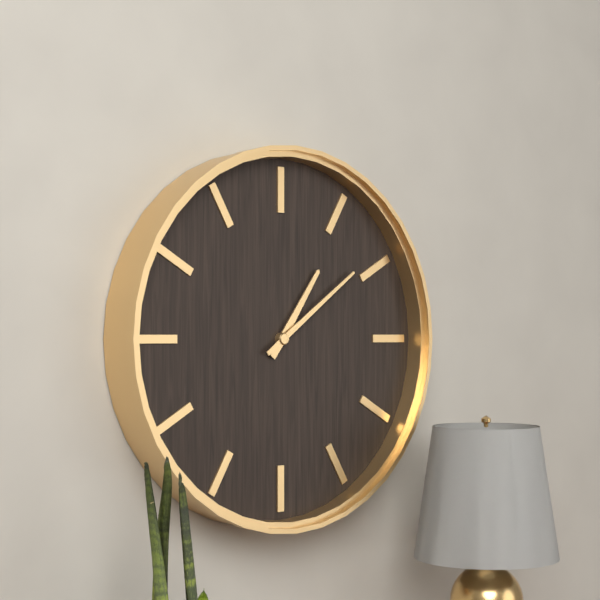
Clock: 1:09
